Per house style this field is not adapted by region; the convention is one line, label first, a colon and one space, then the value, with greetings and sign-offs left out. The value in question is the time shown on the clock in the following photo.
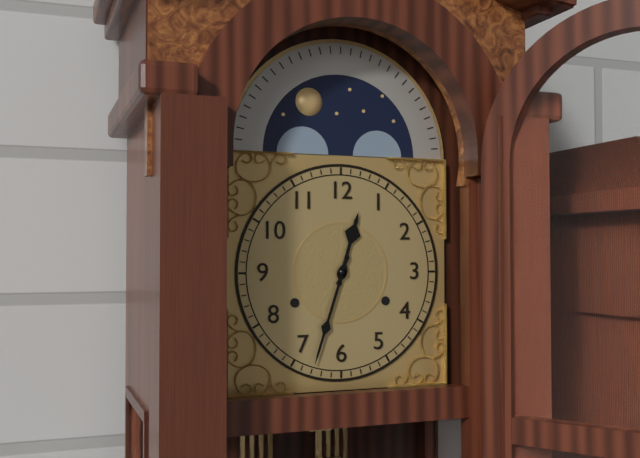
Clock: 12:33
